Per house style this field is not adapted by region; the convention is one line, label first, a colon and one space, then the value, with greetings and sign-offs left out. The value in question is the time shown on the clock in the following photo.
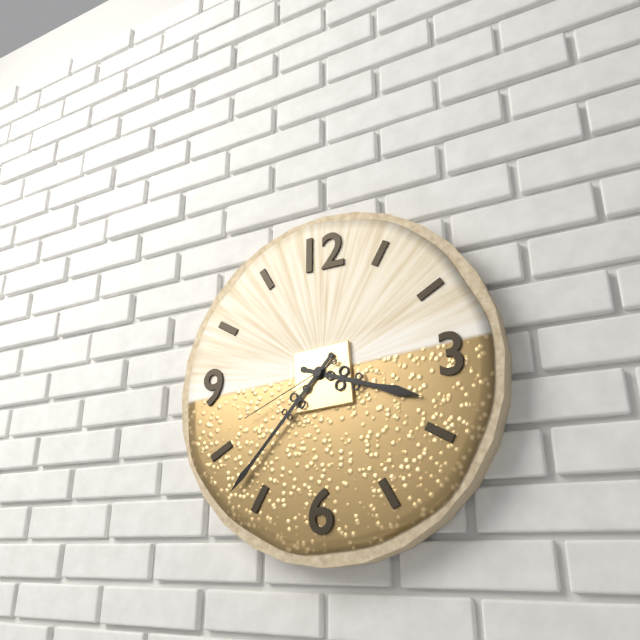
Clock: 3:37:41
